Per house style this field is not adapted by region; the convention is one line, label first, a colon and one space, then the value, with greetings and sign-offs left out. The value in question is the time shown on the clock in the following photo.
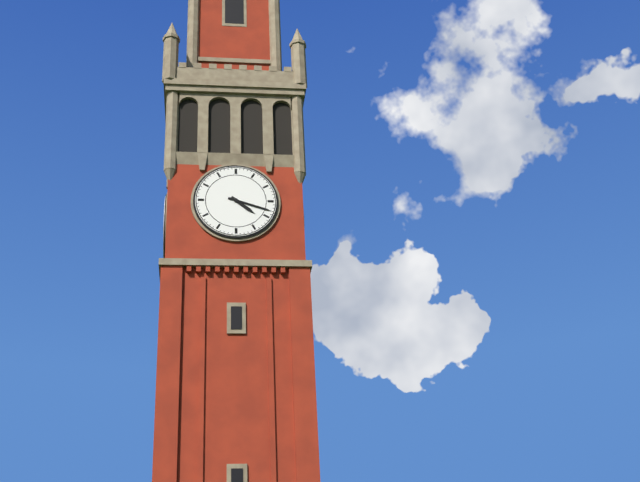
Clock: 4:18
